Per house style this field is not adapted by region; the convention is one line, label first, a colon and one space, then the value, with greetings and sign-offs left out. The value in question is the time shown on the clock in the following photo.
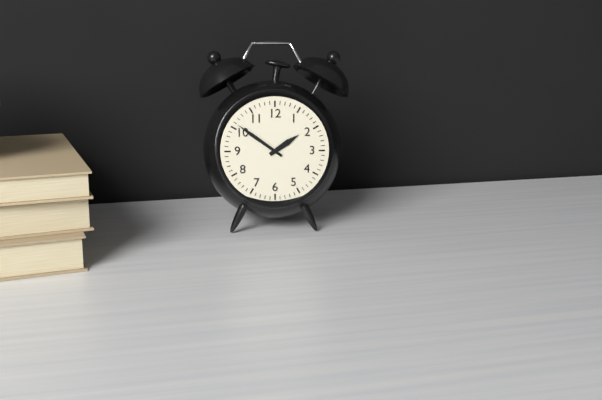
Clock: 1:51
